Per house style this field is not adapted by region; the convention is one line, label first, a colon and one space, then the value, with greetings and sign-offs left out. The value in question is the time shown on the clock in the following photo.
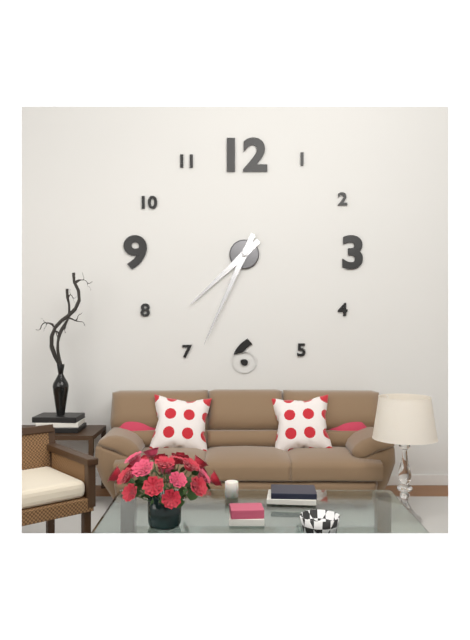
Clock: 7:34
